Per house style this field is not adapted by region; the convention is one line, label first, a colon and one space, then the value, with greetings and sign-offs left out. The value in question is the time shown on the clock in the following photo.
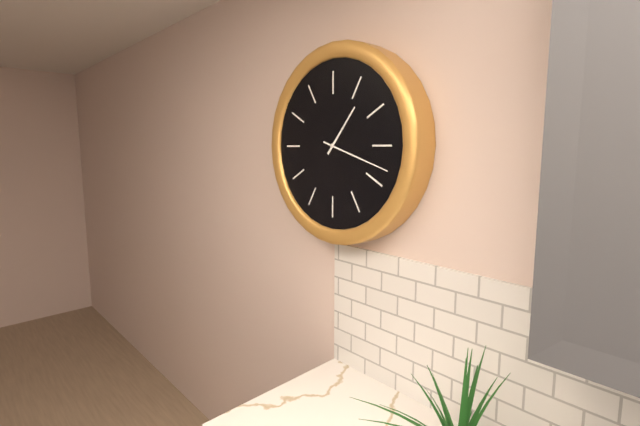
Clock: 1:18
